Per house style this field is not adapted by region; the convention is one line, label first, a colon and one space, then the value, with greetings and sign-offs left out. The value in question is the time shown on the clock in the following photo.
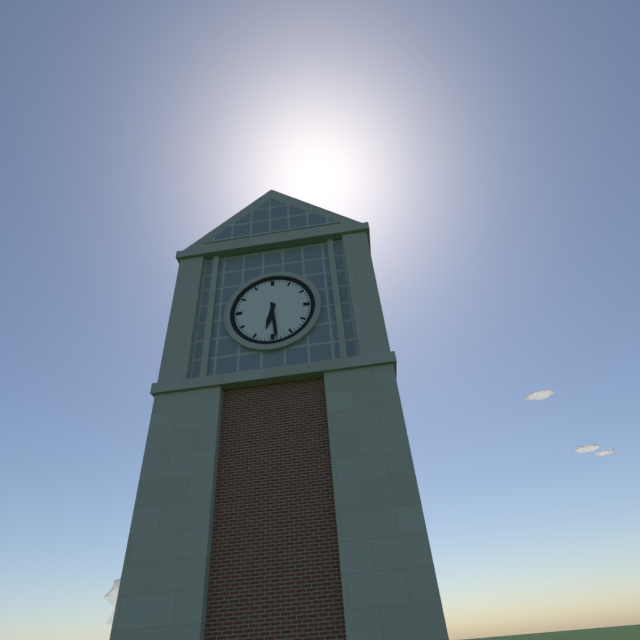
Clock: 6:29
